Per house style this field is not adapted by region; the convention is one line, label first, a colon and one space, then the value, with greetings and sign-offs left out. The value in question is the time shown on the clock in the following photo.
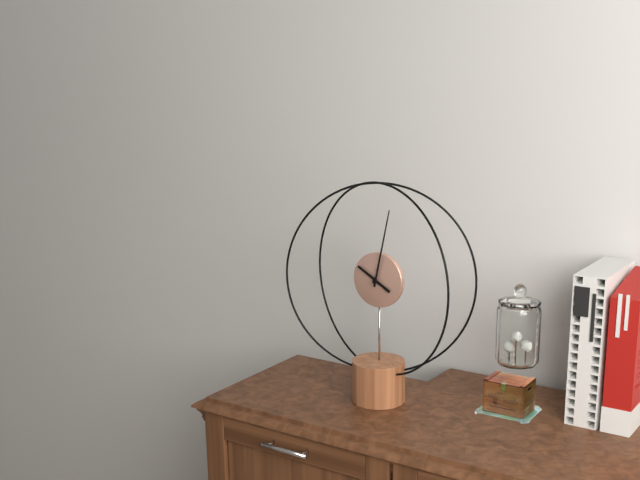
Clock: 10:02
